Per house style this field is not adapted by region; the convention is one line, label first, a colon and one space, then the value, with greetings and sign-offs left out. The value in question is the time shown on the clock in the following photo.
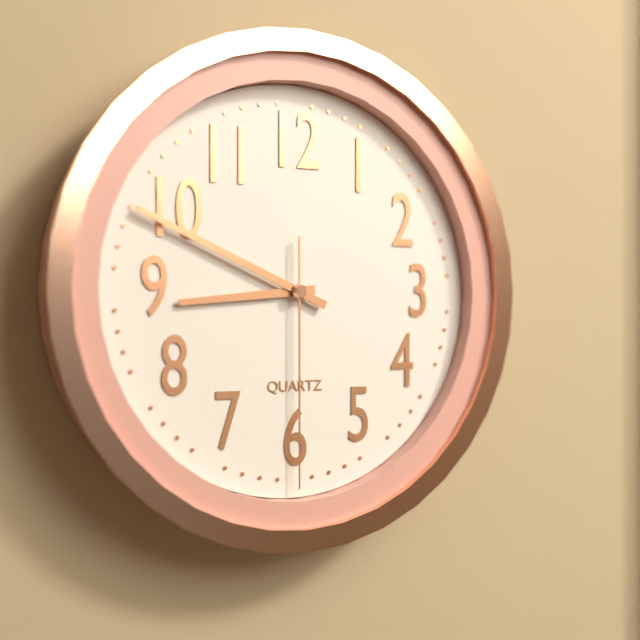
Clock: 8:49:30
